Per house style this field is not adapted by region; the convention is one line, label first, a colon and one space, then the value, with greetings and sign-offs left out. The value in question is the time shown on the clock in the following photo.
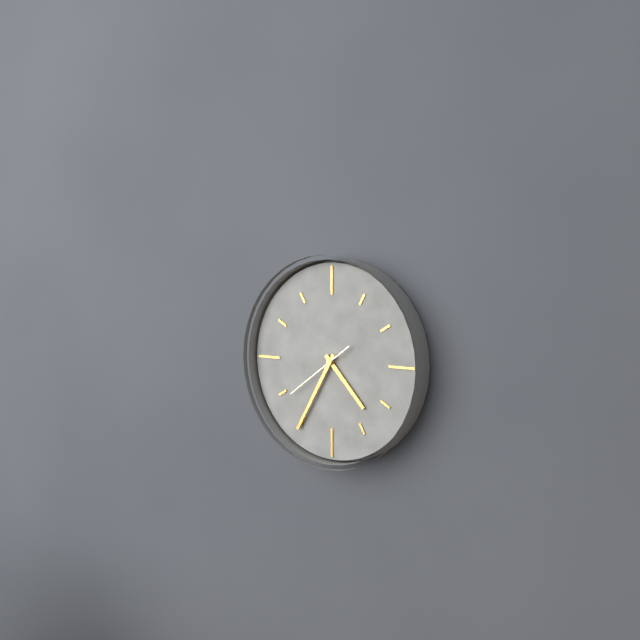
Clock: 4:35:39
